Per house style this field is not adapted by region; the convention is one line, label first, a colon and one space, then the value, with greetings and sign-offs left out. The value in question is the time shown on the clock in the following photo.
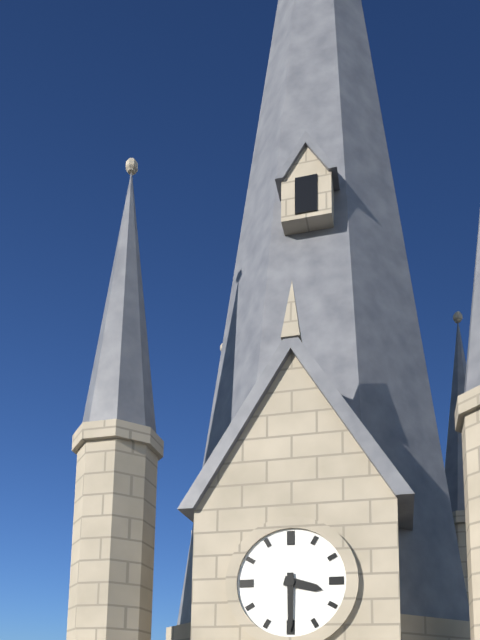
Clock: 3:30
